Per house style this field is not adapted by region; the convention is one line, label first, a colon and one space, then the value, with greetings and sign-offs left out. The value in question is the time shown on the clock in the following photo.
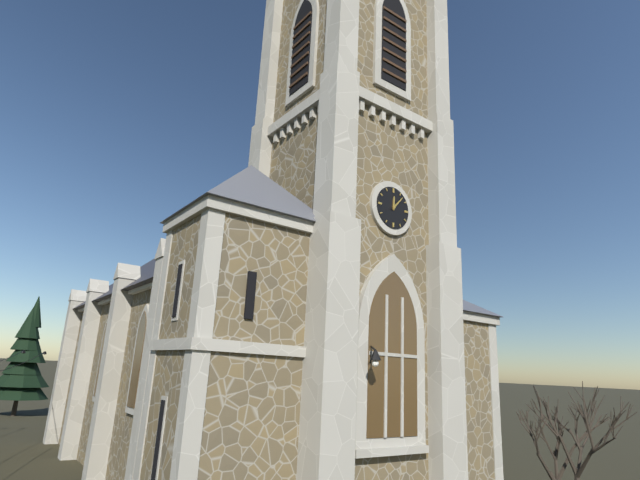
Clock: 12:07
